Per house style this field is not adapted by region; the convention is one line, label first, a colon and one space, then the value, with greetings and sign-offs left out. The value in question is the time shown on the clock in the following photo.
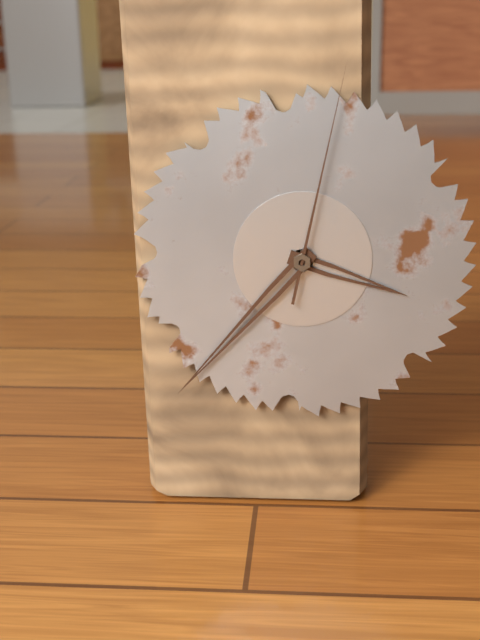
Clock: 3:37:02
